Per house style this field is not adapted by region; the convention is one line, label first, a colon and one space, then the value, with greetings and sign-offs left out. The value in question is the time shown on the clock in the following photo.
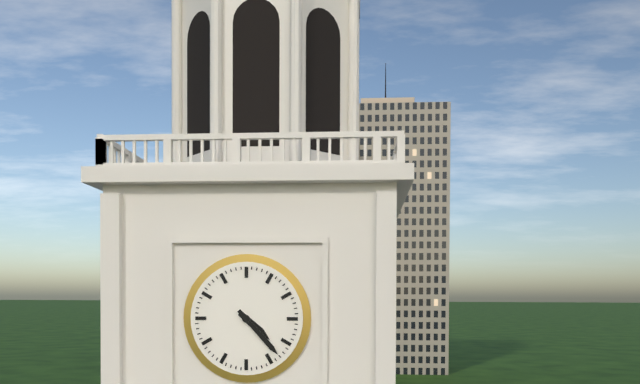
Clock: 4:23
